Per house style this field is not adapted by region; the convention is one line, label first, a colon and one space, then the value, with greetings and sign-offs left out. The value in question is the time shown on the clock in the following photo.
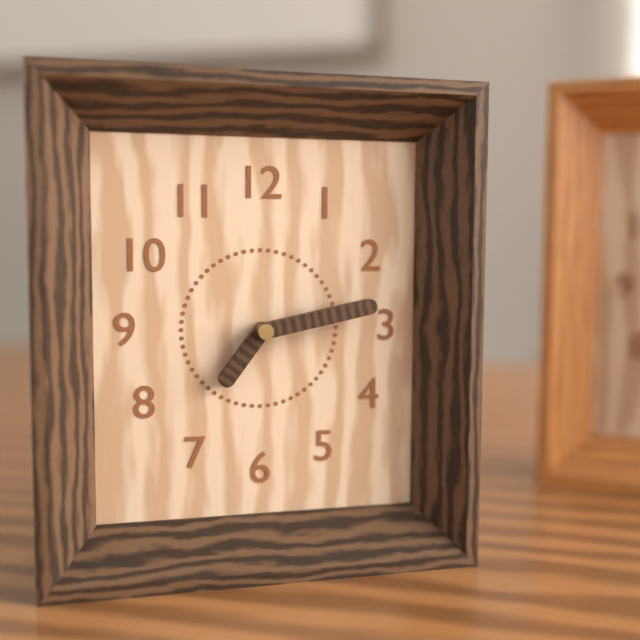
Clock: 7:13
